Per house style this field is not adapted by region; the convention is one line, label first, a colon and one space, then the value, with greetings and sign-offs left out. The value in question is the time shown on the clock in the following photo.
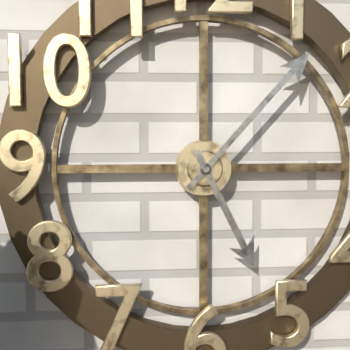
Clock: 5:07
